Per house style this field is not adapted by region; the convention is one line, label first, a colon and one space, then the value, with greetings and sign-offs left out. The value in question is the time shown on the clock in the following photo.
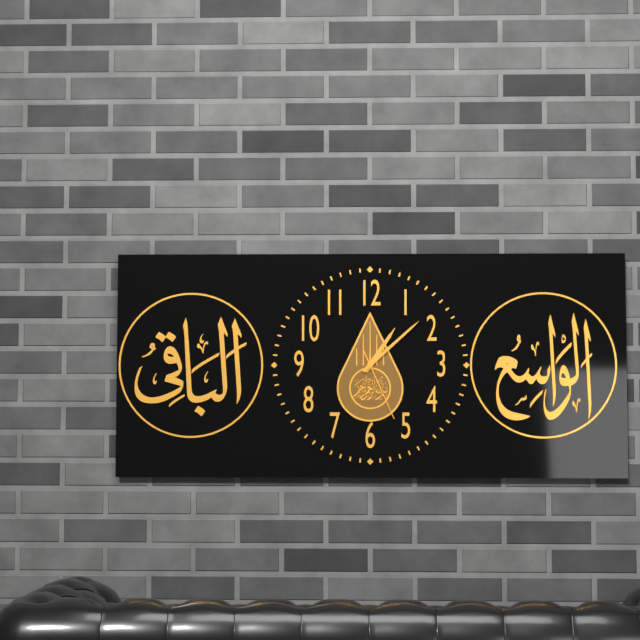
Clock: 1:08:26
